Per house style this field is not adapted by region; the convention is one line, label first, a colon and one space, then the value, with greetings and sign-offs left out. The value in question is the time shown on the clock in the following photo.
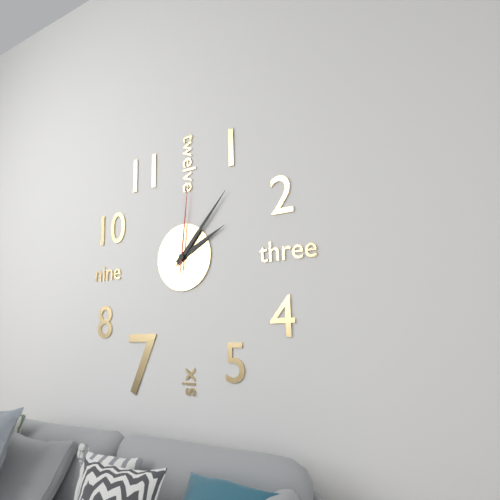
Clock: 2:07:01
